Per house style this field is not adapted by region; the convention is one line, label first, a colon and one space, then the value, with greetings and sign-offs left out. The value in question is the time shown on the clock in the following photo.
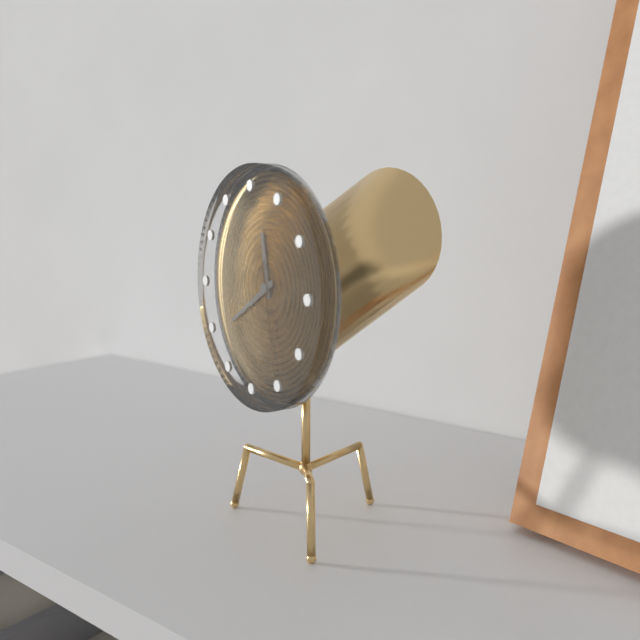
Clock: 11:40:28
